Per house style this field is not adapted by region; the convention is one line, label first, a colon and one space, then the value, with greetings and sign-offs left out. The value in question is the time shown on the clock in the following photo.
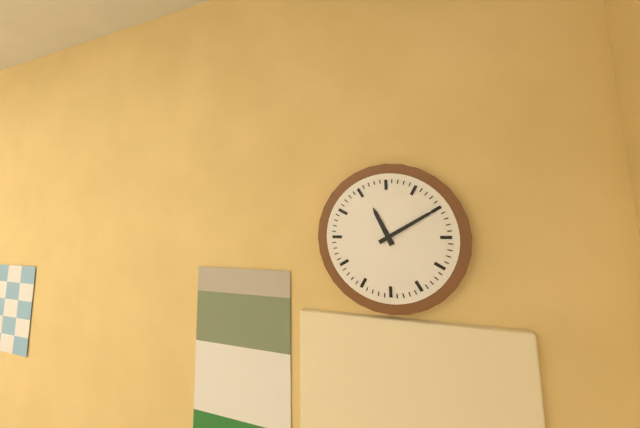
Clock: 11:10
